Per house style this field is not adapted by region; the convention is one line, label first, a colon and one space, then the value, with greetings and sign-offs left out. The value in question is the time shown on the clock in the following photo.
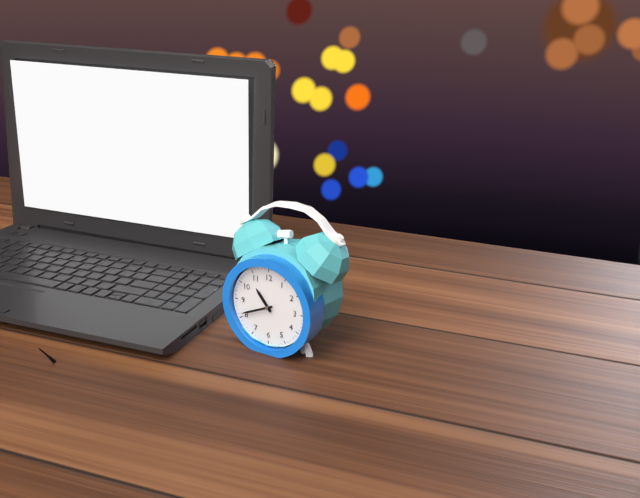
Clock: 10:41
